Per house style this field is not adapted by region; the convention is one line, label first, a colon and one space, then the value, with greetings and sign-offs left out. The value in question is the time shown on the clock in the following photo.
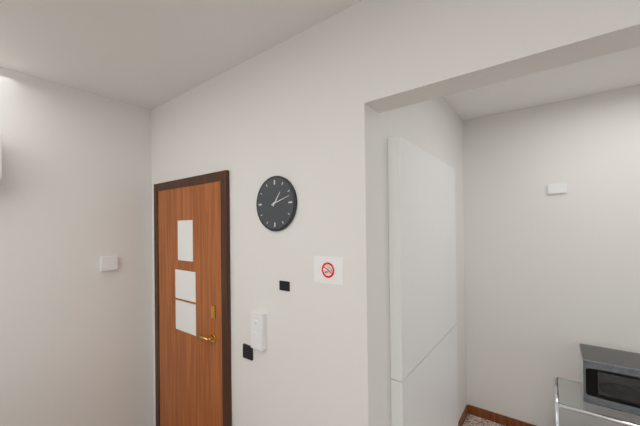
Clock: 1:12
